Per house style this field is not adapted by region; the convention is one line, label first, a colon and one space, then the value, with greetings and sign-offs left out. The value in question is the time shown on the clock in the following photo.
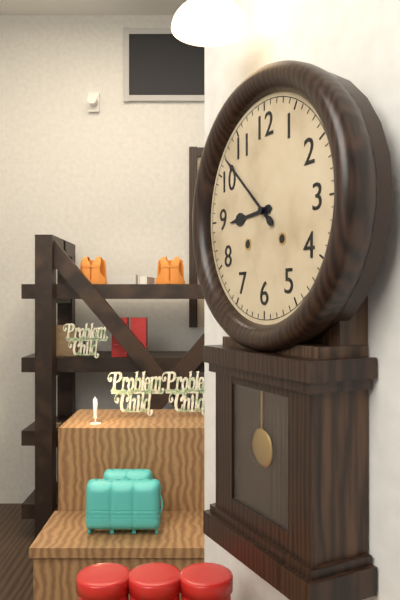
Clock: 8:52
